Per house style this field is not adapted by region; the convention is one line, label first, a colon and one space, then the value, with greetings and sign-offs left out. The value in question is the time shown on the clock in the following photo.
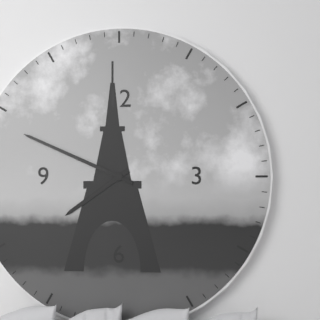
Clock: 7:49
